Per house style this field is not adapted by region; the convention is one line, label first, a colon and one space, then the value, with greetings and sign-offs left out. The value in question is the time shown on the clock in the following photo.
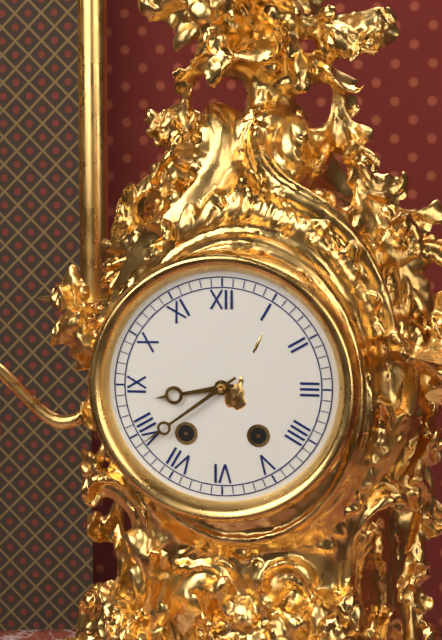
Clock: 8:39
